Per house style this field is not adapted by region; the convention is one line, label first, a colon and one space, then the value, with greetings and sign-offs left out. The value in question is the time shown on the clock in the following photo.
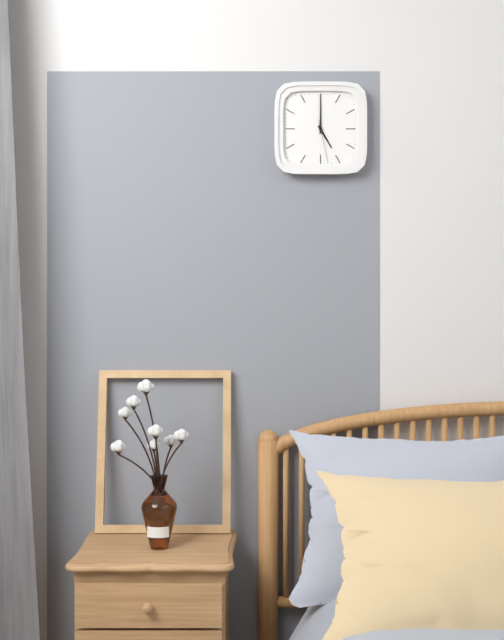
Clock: 5:00
